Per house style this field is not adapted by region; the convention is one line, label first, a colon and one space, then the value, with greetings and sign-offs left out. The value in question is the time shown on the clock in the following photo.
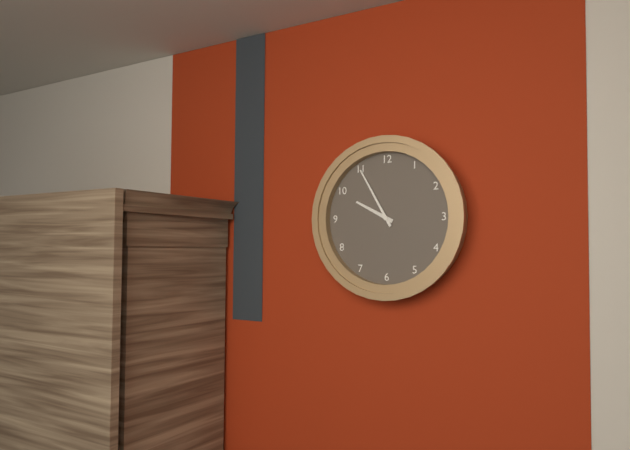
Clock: 9:55
